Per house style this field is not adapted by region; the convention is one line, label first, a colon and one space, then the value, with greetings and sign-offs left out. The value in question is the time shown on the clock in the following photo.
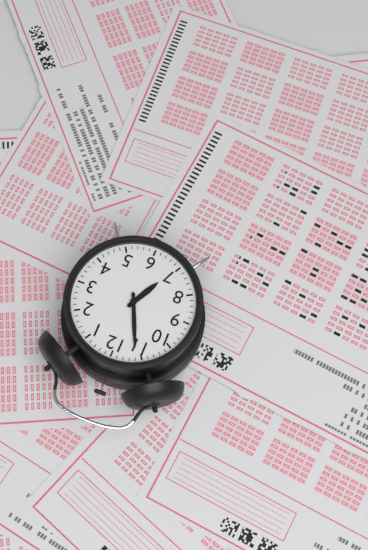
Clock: 6:56
